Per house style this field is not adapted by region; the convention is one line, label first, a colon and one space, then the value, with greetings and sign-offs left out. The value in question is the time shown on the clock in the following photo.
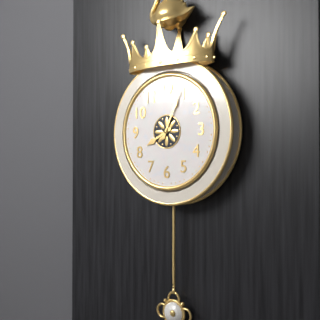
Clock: 8:04
